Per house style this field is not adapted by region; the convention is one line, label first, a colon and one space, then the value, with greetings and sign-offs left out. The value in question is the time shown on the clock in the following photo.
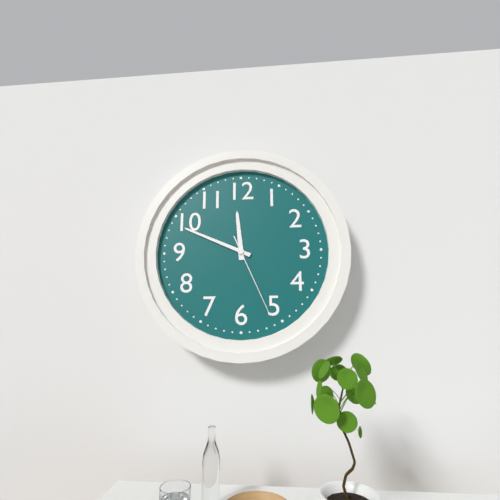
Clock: 11:49:26
